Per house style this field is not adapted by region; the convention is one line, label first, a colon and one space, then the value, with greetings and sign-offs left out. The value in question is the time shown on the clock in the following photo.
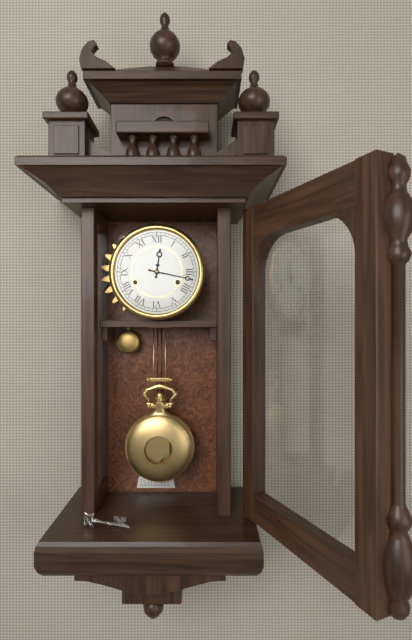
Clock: 12:17
